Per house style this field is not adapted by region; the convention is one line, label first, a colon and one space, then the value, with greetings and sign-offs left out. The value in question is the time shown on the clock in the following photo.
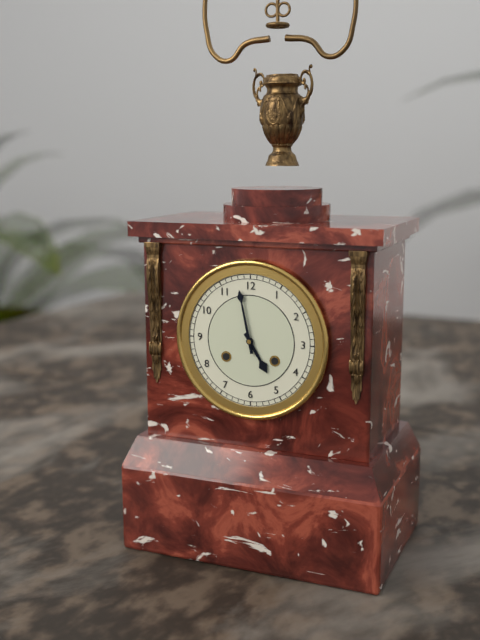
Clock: 4:58
